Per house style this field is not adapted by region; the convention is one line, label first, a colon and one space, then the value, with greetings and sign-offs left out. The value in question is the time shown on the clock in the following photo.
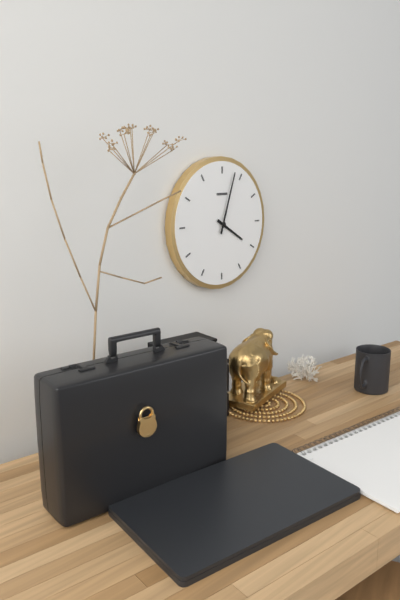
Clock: 4:03
